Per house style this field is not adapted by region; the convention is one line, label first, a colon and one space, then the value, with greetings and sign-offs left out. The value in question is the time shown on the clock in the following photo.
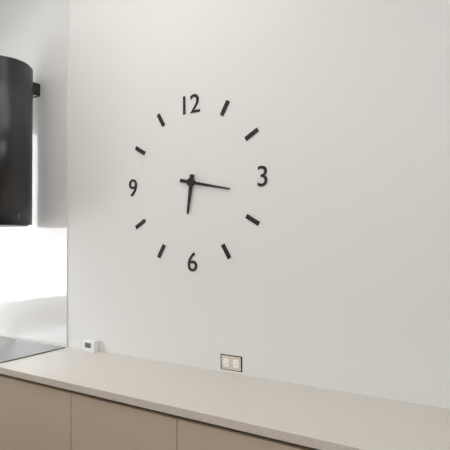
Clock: 6:17
